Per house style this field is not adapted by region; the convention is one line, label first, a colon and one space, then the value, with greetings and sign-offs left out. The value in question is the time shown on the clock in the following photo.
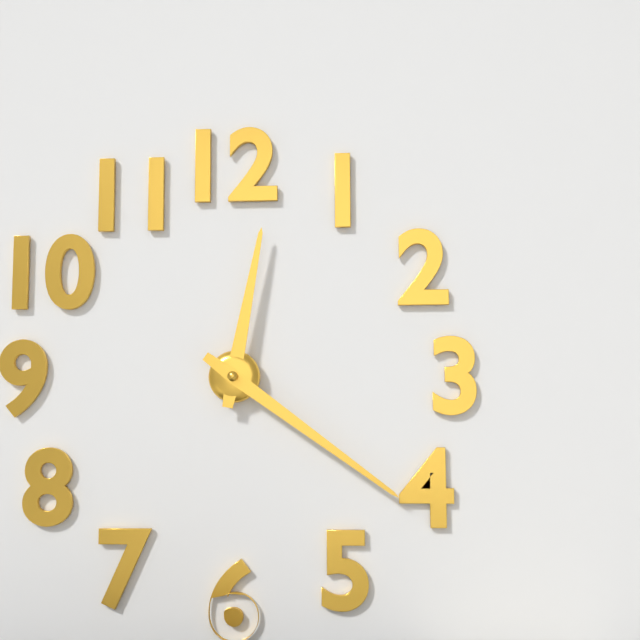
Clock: 12:21
